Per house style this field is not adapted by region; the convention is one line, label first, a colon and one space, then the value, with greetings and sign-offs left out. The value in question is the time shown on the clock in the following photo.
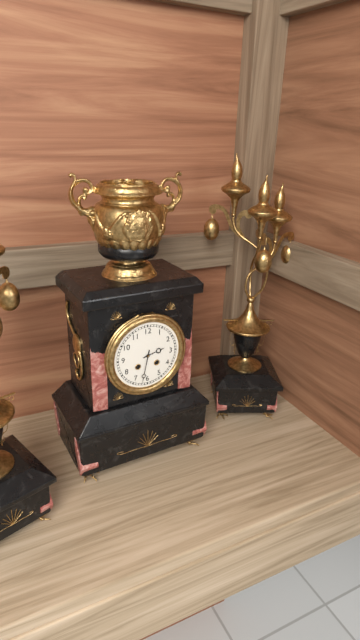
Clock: 2:32
